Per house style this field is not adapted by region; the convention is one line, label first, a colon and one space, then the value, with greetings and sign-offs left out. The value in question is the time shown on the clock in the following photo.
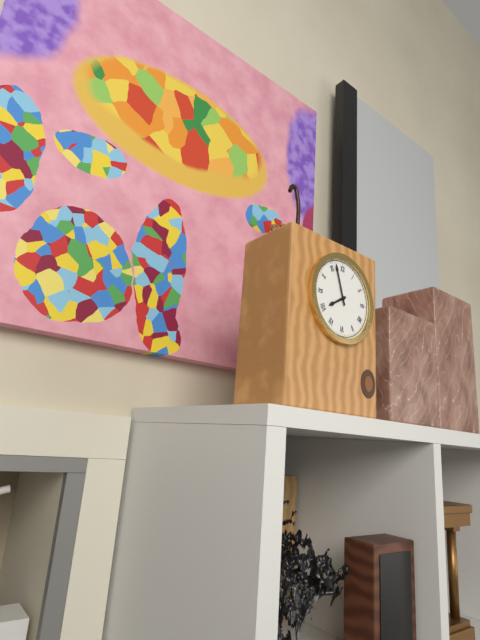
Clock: 7:57
